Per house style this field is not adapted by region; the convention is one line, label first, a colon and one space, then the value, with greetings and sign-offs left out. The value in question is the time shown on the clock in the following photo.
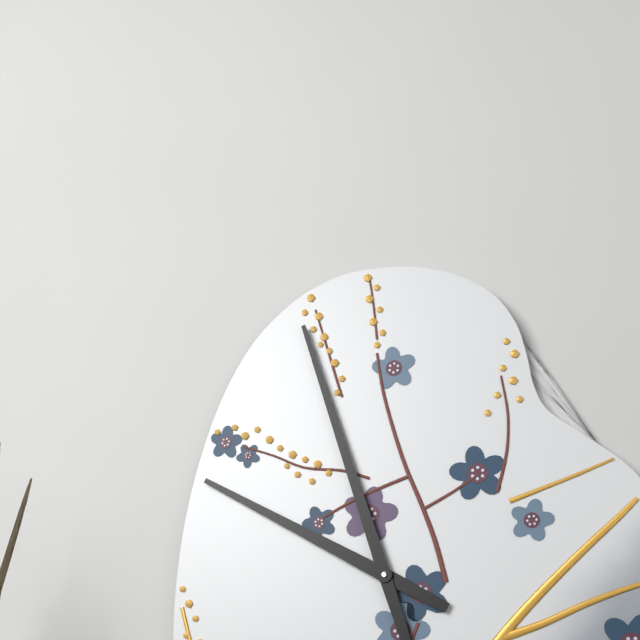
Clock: 9:57
